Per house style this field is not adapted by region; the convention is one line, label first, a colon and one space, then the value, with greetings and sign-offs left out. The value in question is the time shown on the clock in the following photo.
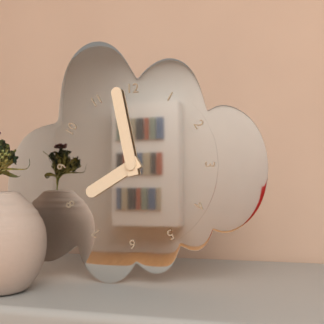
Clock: 7:58
